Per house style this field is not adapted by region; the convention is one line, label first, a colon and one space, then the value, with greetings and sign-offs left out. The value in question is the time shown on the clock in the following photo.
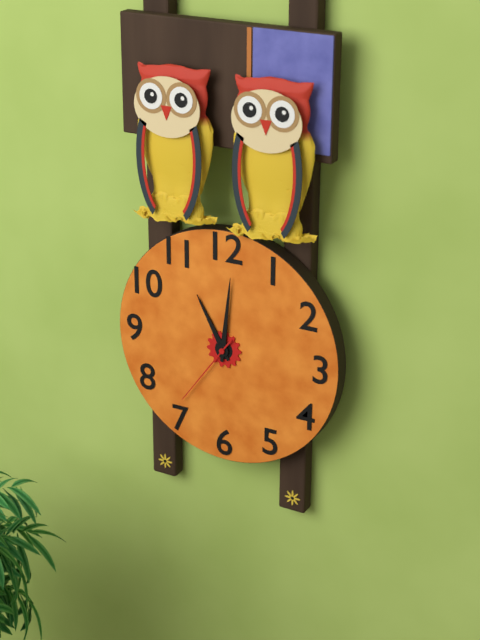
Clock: 11:01:36
